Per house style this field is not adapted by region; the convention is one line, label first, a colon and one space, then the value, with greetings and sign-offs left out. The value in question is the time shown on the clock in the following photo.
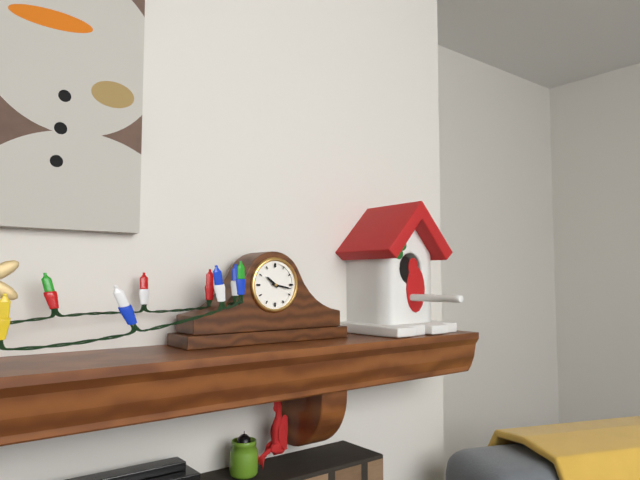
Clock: 10:17
